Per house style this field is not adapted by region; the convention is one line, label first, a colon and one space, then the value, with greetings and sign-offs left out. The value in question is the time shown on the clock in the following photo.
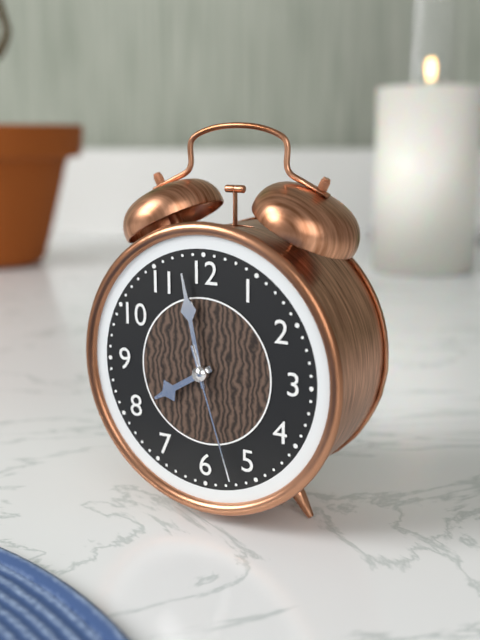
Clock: 7:58:27
